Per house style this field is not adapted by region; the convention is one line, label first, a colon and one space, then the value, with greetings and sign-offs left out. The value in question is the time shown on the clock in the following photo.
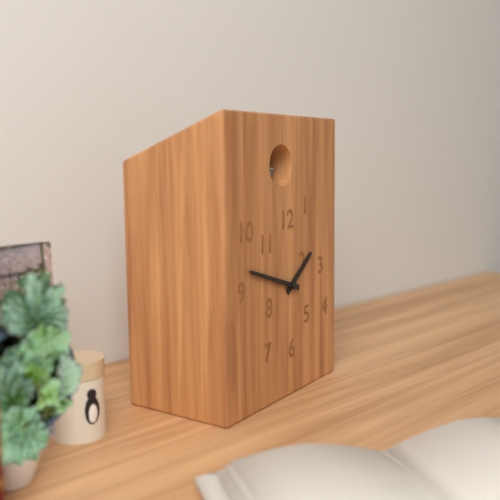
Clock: 1:48
